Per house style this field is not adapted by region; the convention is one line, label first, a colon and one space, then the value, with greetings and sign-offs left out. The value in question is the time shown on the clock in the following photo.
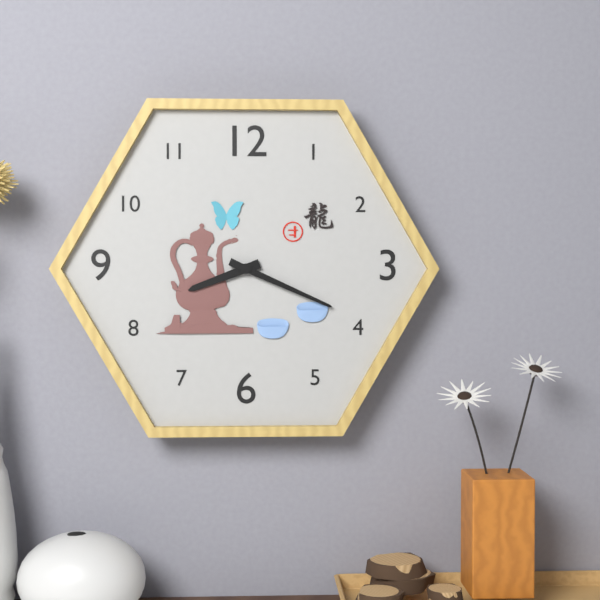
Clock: 8:19
